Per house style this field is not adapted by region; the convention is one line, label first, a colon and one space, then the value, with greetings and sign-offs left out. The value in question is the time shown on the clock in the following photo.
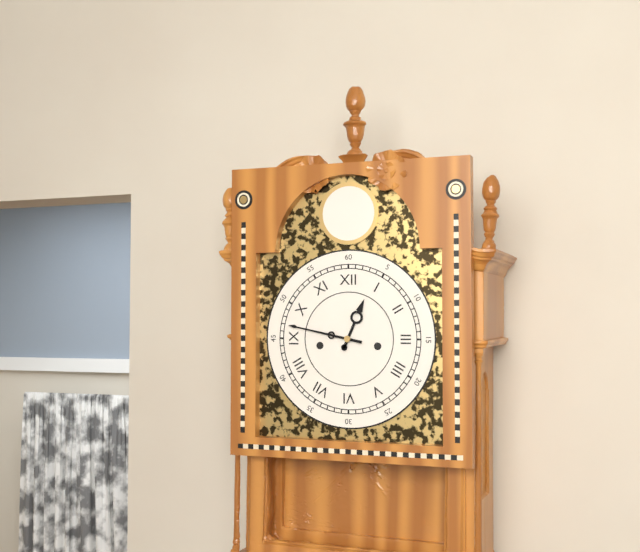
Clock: 12:47
